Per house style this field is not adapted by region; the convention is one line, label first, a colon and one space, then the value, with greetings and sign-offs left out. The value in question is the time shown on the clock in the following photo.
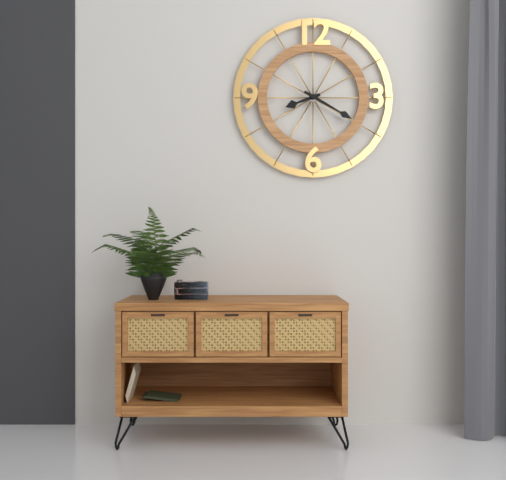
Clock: 8:20
